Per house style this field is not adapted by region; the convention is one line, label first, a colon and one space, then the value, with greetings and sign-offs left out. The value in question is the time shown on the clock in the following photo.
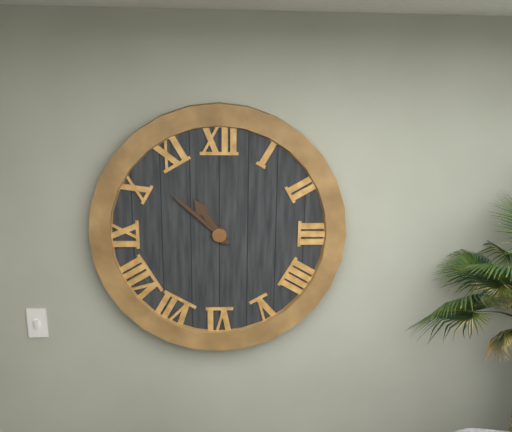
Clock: 10:52
